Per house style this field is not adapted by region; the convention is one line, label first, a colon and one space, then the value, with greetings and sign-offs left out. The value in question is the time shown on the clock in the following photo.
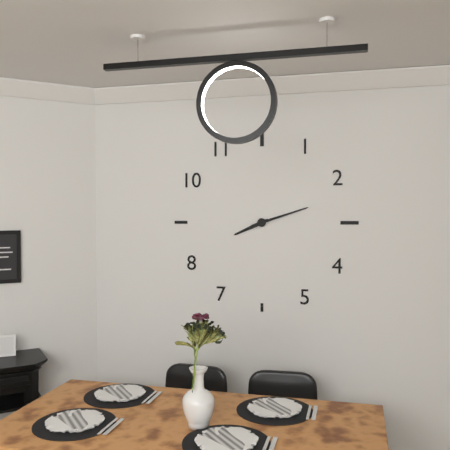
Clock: 8:12
